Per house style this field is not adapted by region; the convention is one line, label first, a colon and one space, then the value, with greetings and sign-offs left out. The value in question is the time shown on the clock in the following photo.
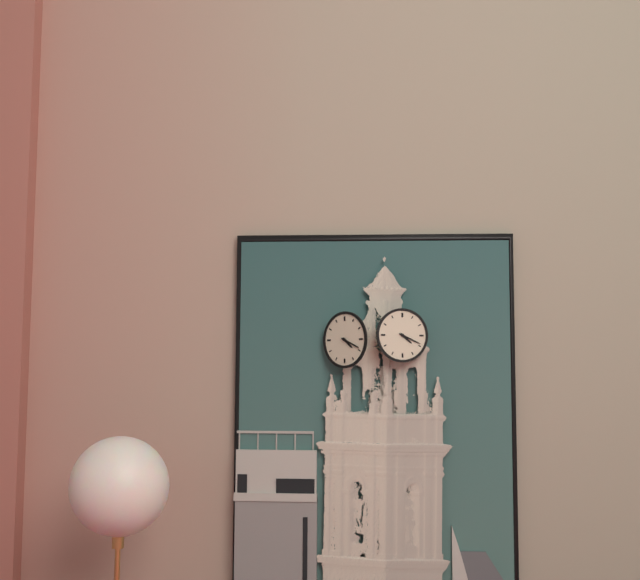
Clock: 4:19
